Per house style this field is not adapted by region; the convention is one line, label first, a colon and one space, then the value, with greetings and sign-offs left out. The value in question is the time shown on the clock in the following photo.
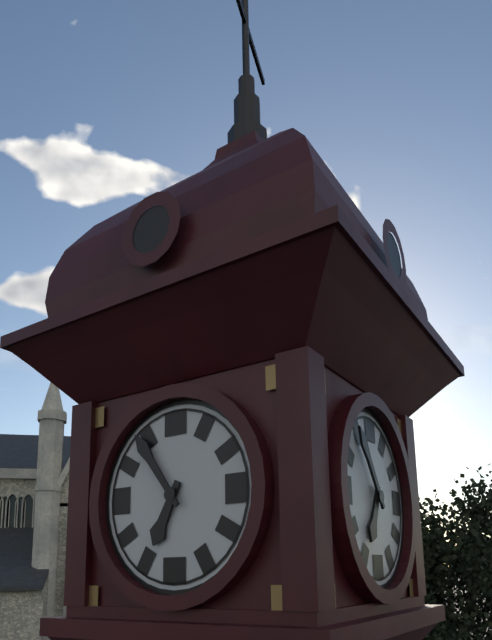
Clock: 6:54
